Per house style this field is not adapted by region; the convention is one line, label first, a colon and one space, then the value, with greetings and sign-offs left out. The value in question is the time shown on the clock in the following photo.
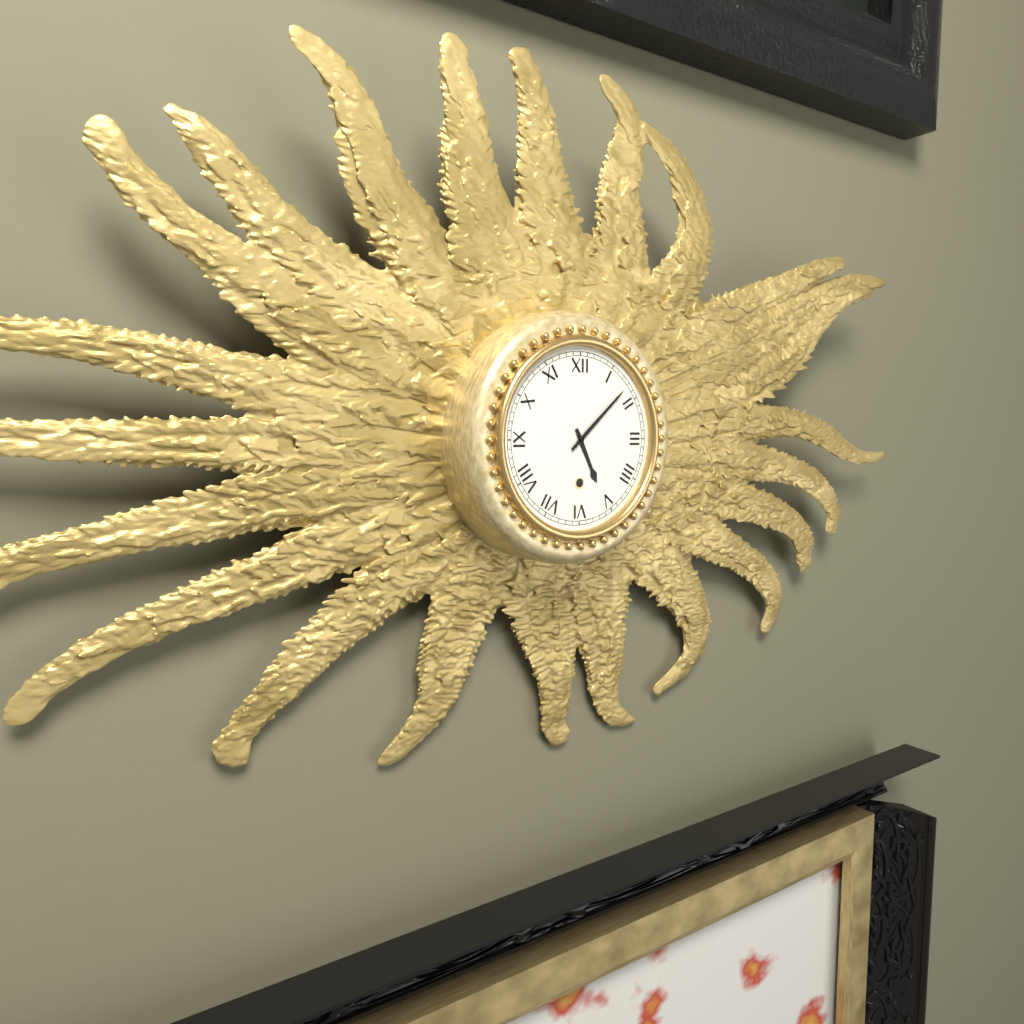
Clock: 5:08
